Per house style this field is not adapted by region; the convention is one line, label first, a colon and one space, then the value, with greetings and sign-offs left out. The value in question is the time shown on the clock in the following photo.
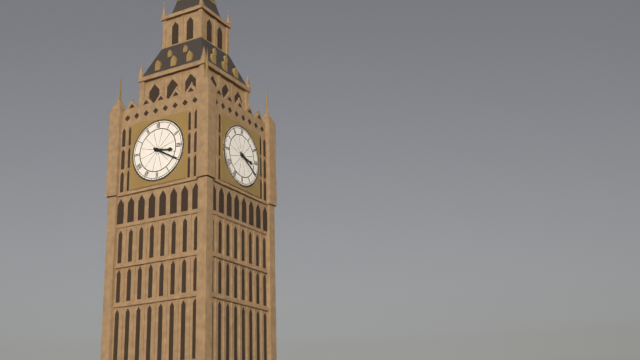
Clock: 3:20
